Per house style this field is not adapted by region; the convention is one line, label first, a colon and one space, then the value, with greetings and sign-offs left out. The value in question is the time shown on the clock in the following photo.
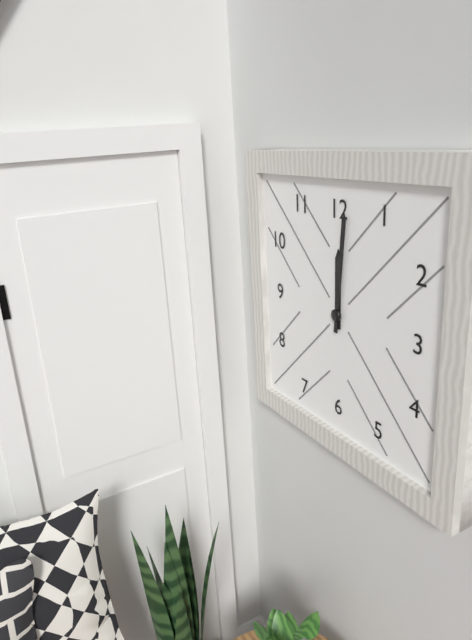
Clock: 12:01
